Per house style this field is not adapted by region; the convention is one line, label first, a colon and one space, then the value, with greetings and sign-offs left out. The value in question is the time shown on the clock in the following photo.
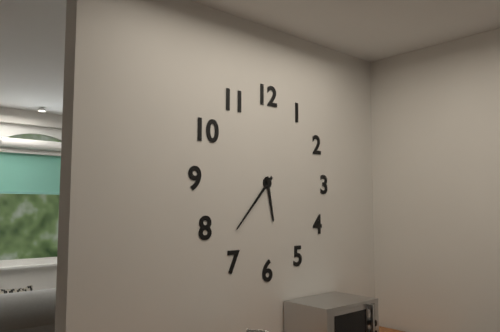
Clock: 5:37
